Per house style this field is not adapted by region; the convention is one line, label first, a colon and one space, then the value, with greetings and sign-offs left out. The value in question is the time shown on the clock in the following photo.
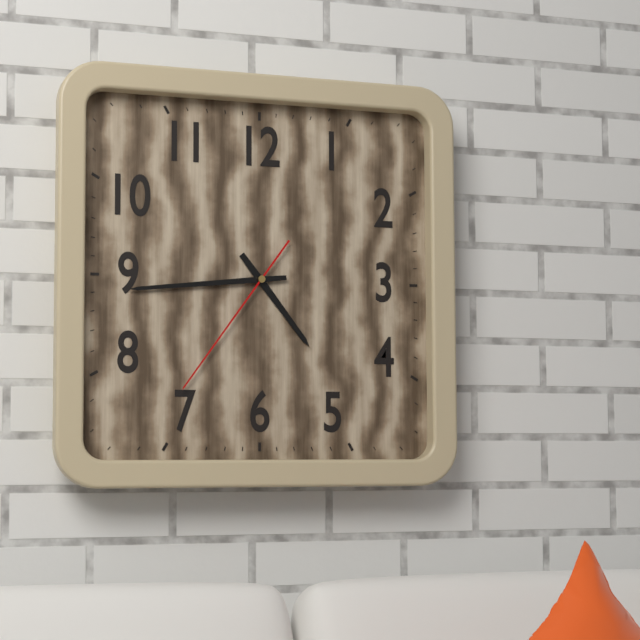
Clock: 4:44:36
